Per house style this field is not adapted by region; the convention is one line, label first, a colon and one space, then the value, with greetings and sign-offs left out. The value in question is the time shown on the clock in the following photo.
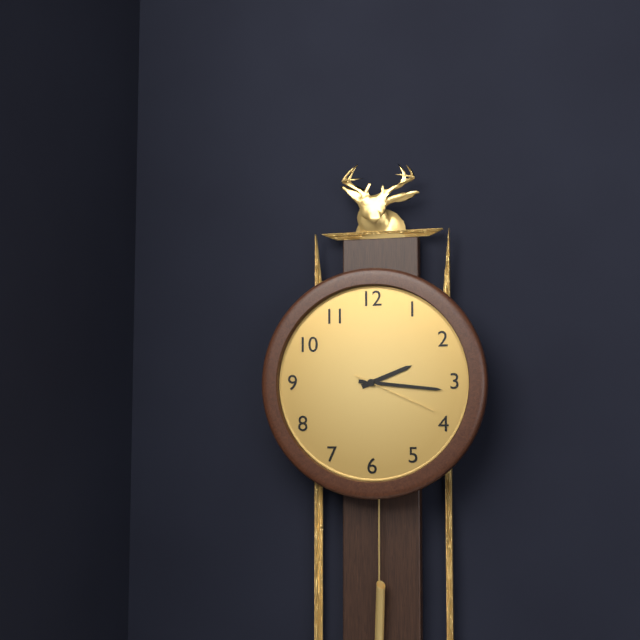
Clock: 2:16:19
